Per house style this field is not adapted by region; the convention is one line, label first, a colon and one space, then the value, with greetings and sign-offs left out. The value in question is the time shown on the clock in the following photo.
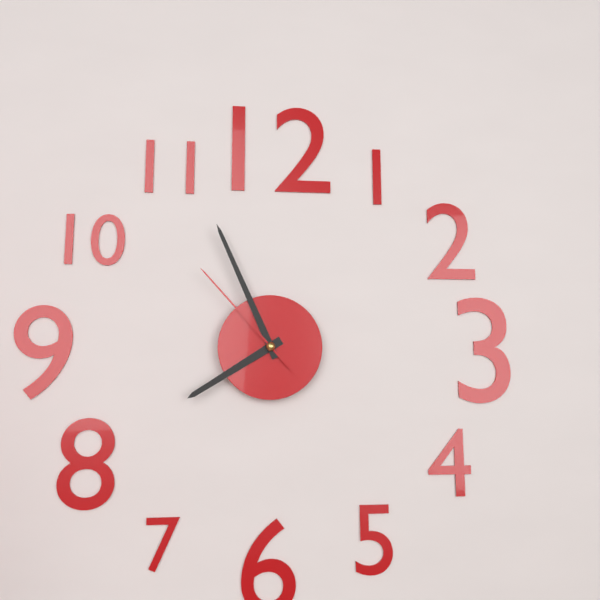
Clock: 7:56:53
